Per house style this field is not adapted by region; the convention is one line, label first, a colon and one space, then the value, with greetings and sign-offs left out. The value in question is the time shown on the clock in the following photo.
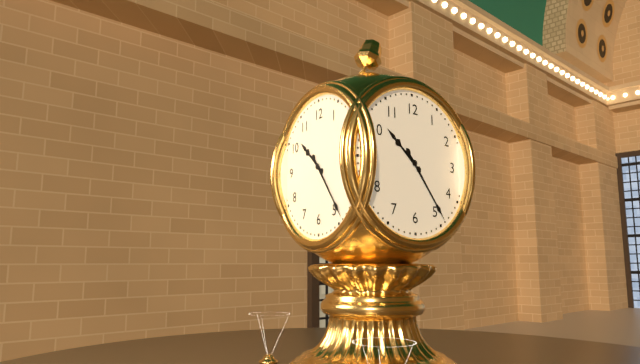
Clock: 10:24
